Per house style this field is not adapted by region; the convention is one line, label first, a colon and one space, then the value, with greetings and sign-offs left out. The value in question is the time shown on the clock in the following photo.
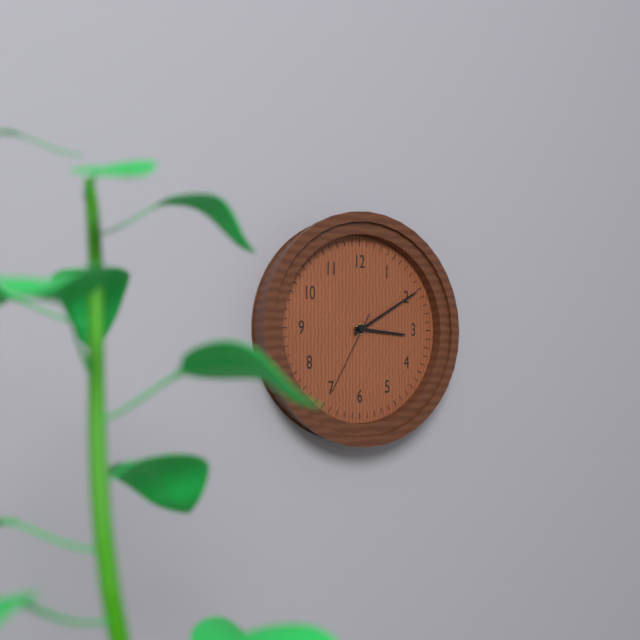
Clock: 3:10:35
